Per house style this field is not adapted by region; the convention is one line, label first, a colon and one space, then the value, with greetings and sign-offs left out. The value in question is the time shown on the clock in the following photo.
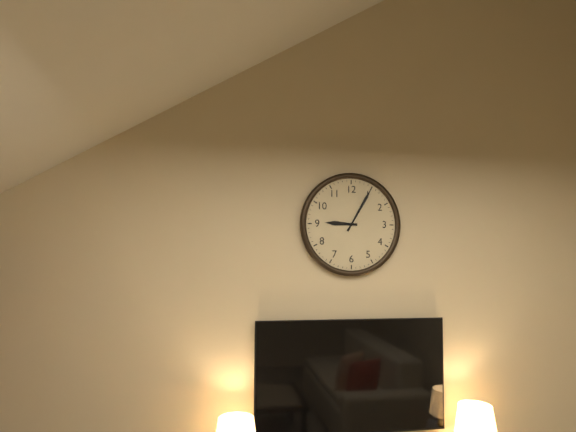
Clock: 9:05
